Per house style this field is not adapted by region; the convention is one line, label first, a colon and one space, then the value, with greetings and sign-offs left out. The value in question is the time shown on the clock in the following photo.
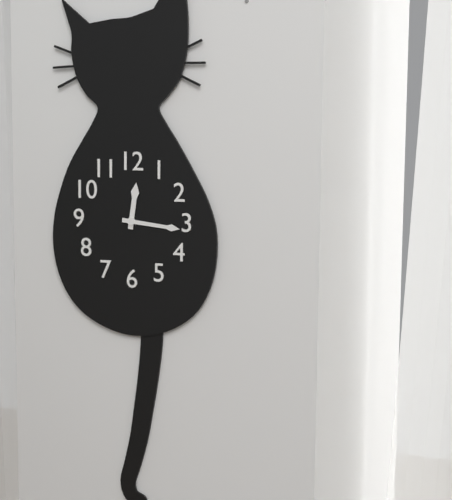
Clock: 12:16
